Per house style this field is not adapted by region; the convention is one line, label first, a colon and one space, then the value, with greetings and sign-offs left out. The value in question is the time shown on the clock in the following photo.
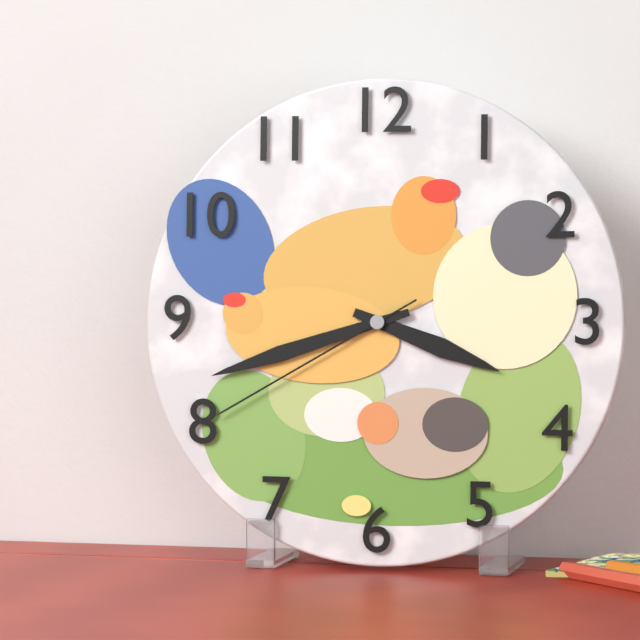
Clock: 3:42:40
